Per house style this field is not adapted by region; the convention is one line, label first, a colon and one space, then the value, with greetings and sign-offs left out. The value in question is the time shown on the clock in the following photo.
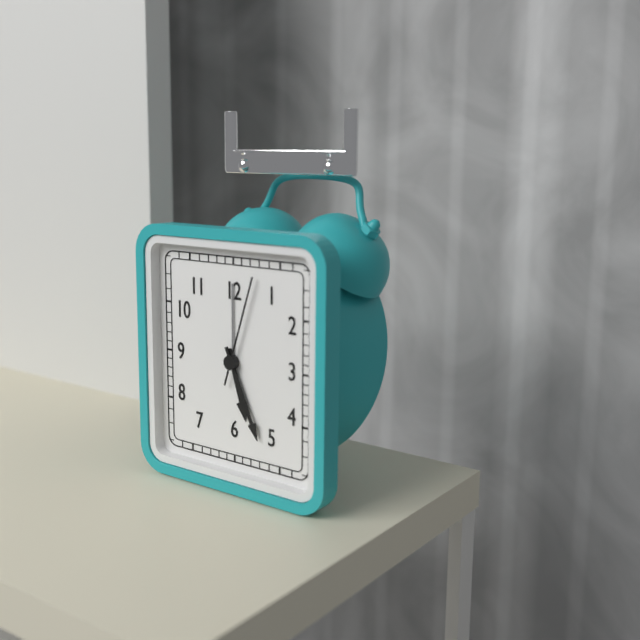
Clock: 5:26:03
